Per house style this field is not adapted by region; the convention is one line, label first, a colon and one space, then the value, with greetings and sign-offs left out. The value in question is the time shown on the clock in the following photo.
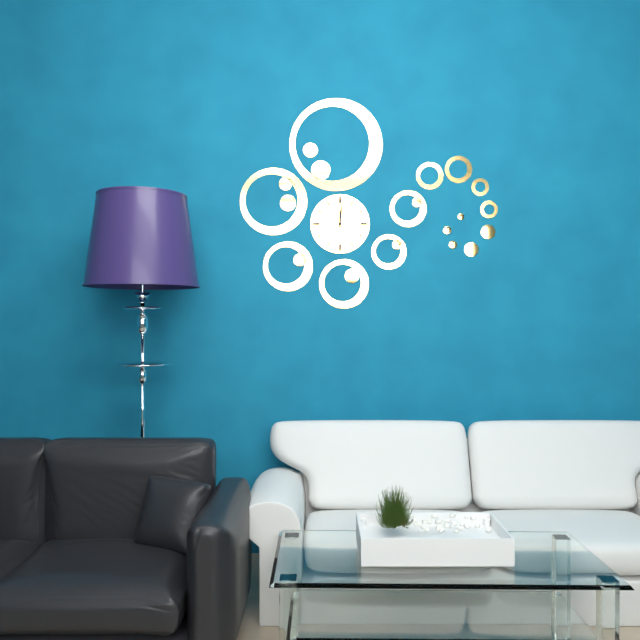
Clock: 12:01
